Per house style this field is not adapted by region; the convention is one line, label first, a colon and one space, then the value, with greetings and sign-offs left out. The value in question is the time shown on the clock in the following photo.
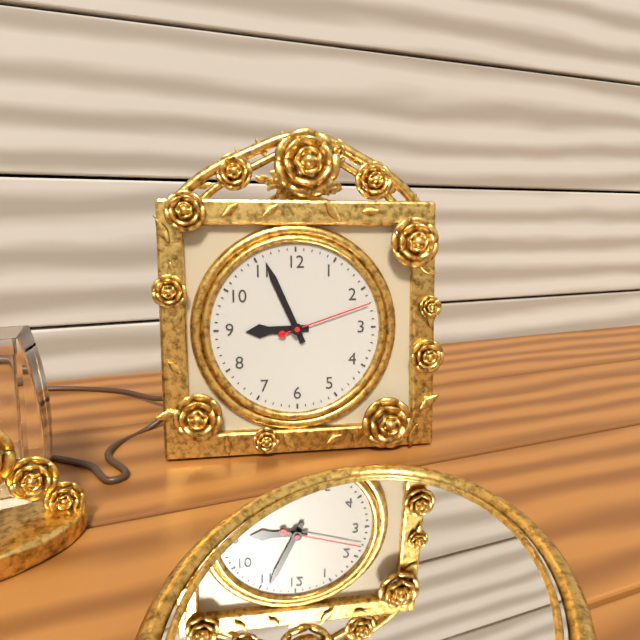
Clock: 8:56:12
